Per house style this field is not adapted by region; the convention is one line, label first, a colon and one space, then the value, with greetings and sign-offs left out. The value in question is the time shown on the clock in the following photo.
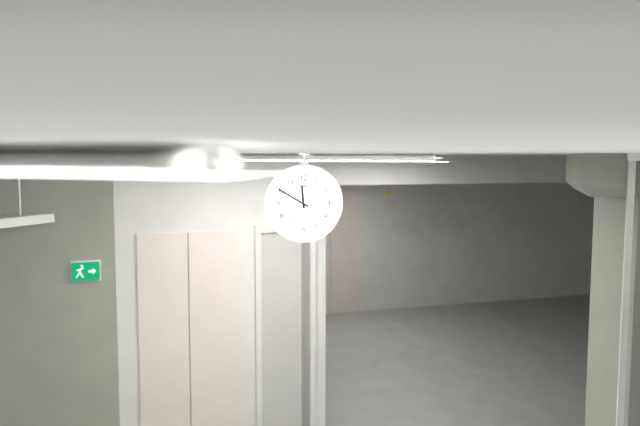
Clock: 11:50
